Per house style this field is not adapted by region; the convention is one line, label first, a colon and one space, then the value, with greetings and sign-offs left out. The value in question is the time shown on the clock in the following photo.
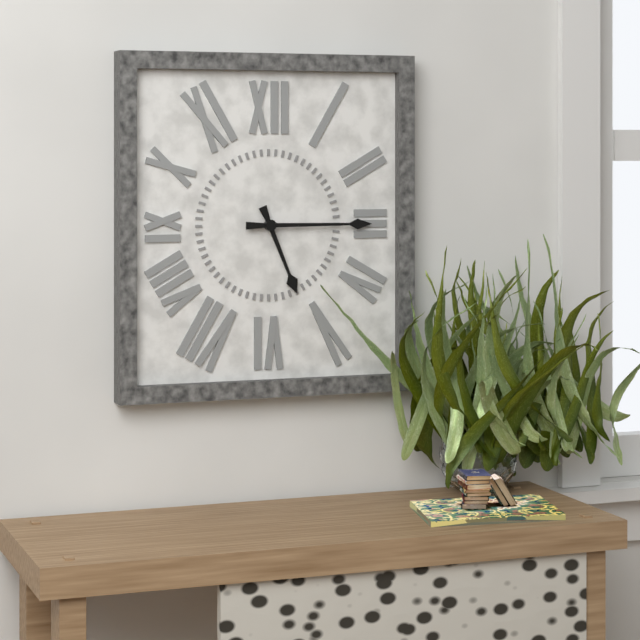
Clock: 5:15
